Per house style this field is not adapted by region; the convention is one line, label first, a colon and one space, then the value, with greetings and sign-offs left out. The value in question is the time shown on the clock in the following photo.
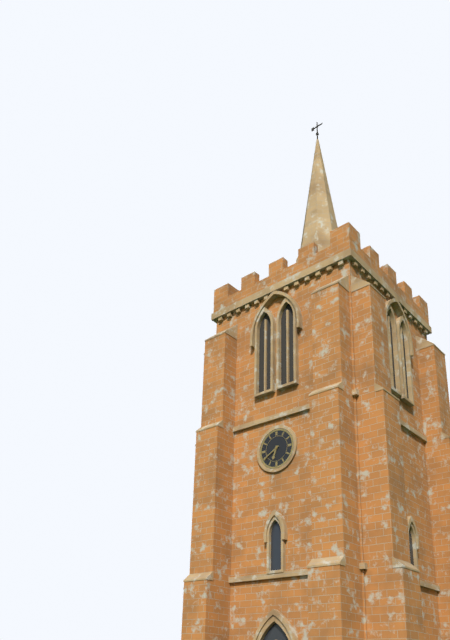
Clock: 6:40
